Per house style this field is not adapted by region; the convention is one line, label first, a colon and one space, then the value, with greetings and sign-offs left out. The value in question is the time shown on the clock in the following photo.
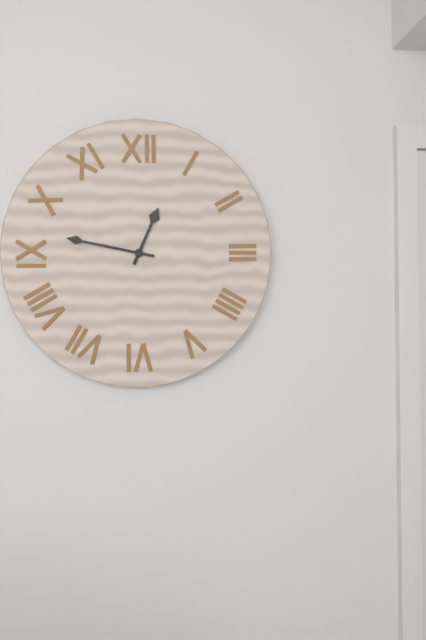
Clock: 12:47
